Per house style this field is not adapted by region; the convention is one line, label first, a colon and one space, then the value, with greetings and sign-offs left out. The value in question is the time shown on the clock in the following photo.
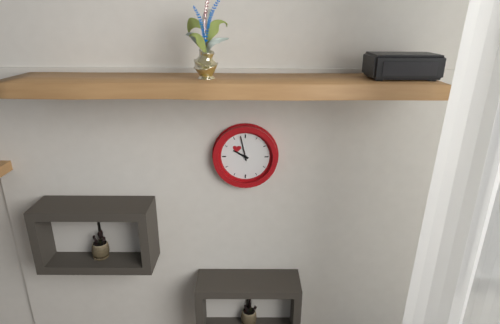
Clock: 9:58
